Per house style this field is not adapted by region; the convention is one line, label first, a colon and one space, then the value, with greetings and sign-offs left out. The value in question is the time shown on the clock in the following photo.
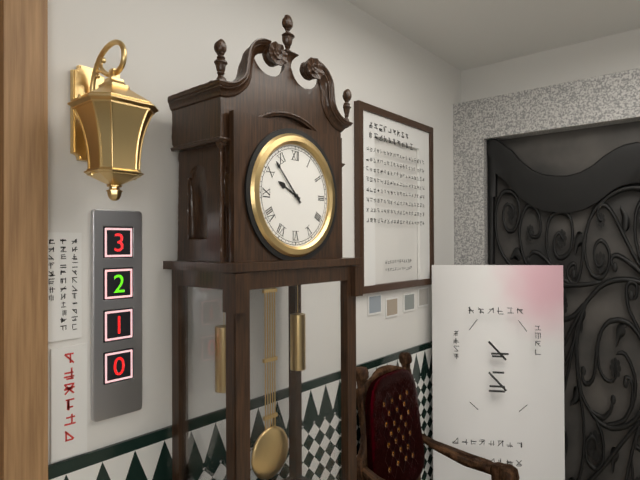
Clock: 9:53
